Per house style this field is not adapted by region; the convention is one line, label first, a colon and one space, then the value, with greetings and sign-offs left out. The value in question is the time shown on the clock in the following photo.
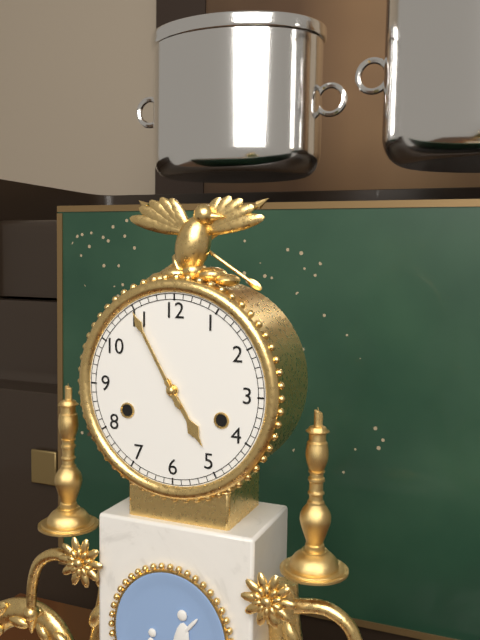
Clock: 4:55
